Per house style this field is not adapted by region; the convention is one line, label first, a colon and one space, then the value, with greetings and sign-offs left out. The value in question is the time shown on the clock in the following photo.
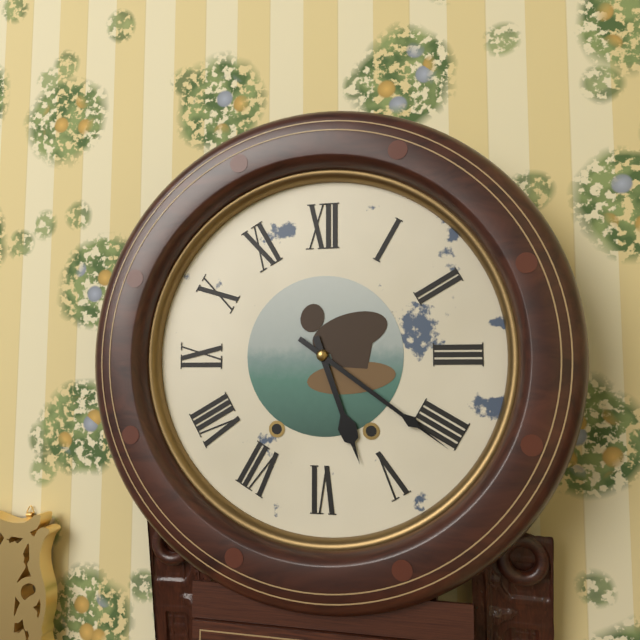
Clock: 5:21
